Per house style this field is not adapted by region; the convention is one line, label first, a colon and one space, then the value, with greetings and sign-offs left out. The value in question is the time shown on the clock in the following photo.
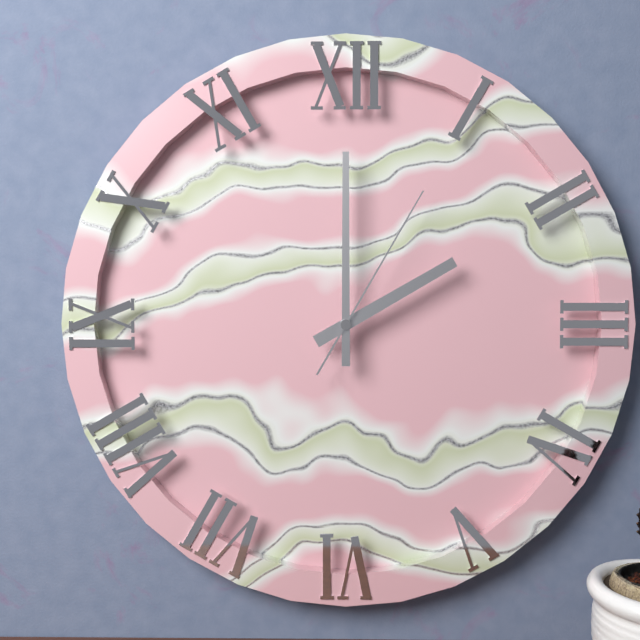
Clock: 2:00:05
